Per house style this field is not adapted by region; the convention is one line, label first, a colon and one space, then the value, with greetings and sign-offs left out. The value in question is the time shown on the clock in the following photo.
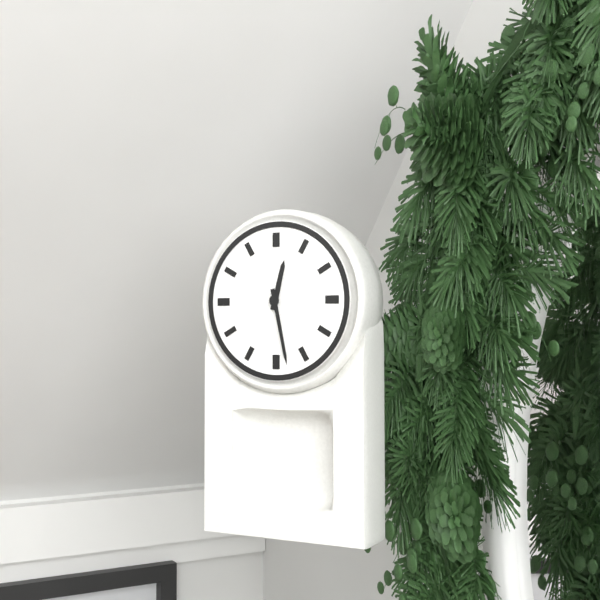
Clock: 12:28
